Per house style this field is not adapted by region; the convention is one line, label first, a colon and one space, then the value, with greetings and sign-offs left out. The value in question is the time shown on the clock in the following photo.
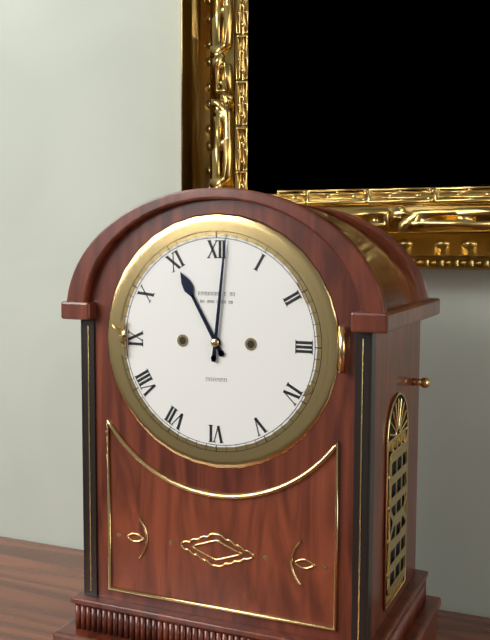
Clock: 11:01
